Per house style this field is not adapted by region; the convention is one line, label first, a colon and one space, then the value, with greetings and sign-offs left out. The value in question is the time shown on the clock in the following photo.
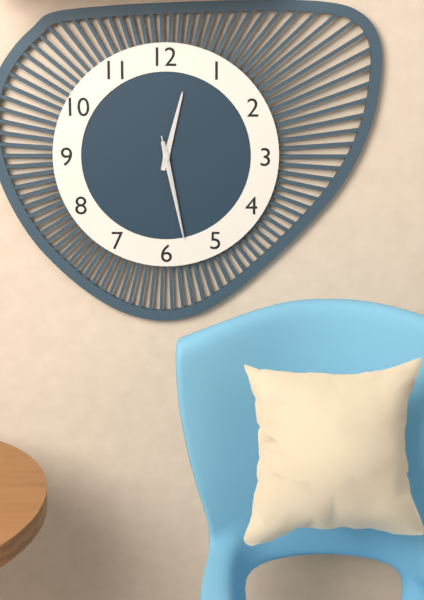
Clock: 12:28:28
